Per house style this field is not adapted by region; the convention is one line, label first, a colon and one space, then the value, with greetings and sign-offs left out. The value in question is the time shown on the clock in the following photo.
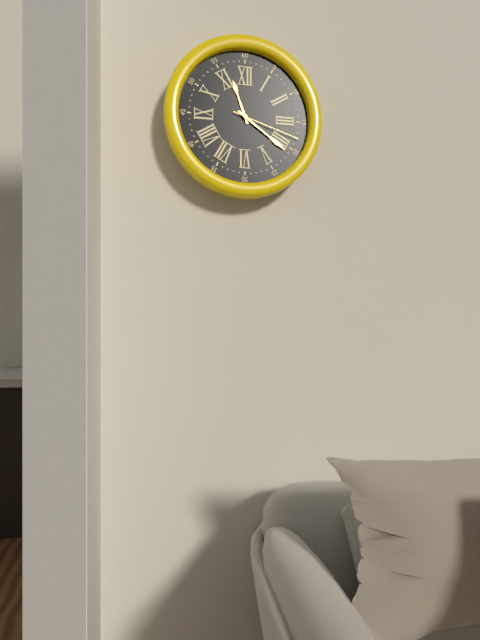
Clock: 11:21:18
